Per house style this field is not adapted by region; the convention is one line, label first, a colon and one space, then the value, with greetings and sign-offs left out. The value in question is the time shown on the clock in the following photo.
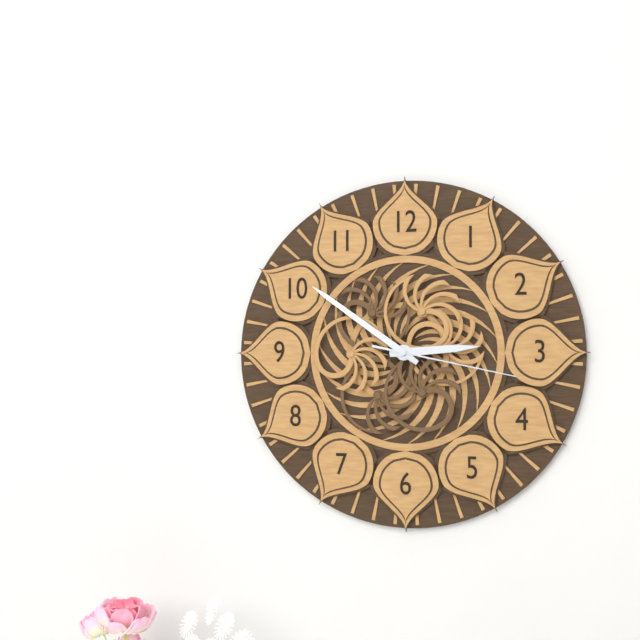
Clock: 2:51:17
